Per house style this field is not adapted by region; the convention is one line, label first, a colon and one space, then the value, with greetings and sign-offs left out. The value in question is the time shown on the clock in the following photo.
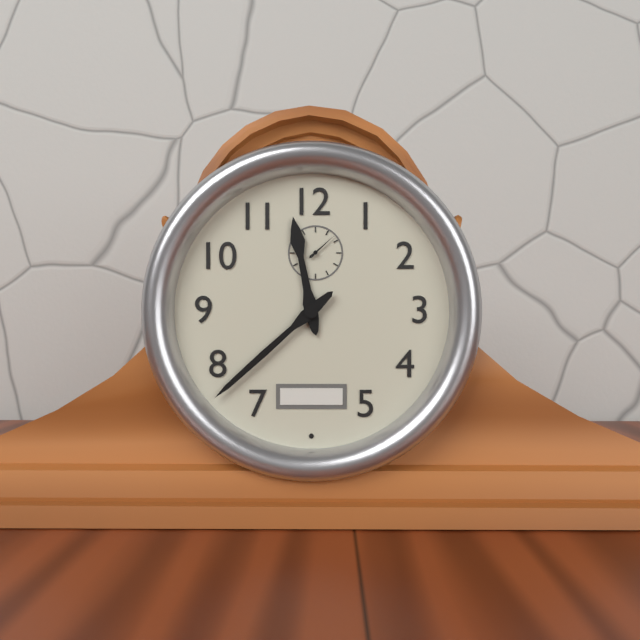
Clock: 11:38
